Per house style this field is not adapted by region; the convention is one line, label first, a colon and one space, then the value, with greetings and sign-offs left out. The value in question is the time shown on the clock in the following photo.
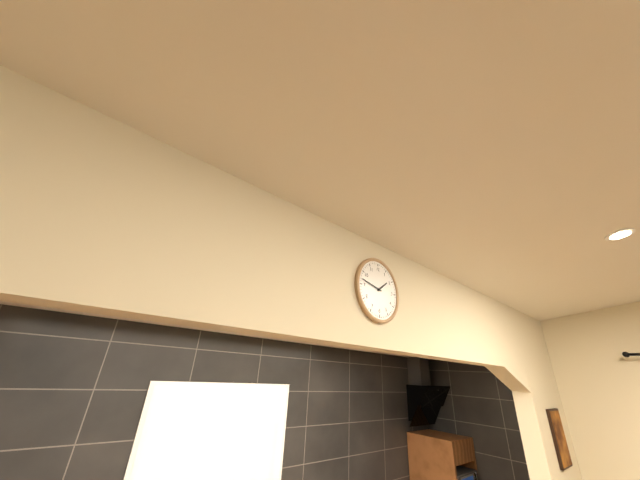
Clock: 1:47
